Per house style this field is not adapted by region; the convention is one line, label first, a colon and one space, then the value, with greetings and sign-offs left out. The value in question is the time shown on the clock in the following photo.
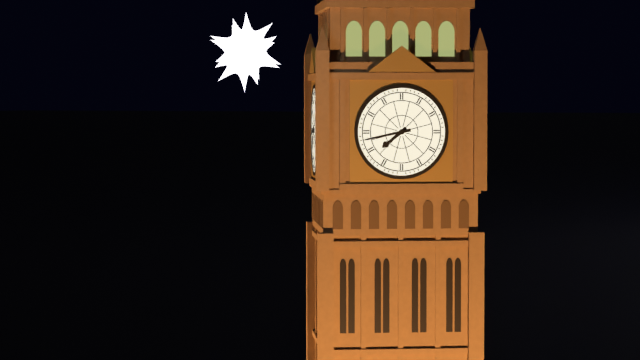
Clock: 7:43
